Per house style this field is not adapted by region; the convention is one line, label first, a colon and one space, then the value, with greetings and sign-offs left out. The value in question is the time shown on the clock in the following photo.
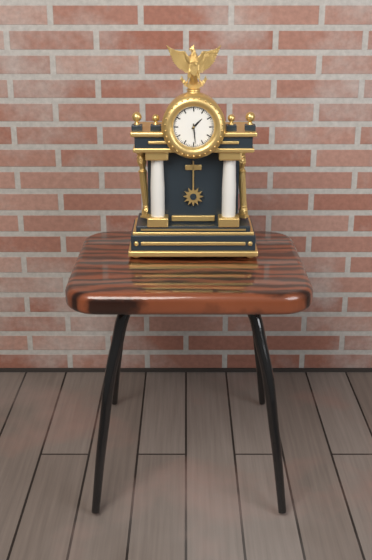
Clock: 1:29
